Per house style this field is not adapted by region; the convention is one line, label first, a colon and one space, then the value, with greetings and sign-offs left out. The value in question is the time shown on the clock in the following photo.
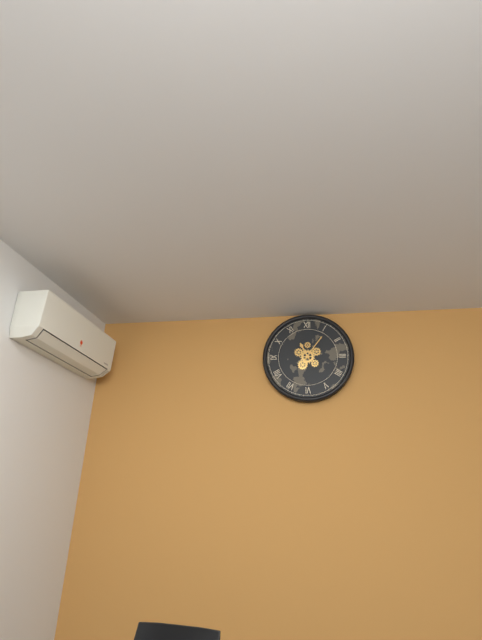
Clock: 11:06
